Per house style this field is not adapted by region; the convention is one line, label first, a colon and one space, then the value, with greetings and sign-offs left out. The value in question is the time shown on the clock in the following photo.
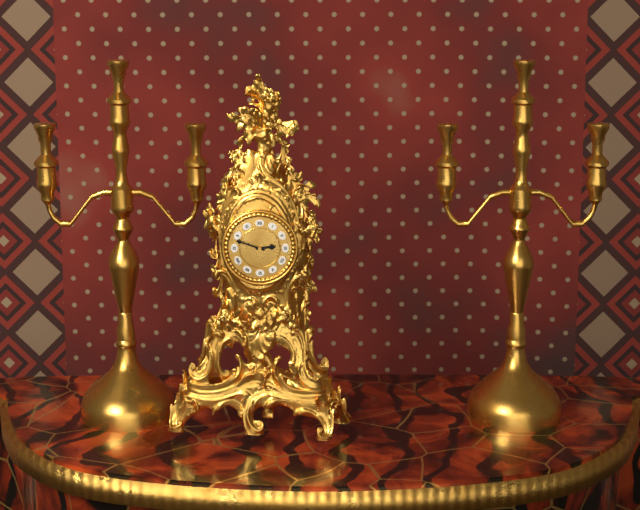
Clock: 2:48
